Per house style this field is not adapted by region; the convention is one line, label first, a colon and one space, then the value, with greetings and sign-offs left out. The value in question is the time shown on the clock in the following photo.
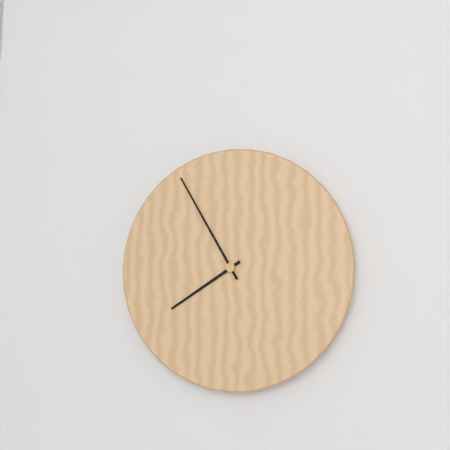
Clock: 7:55
